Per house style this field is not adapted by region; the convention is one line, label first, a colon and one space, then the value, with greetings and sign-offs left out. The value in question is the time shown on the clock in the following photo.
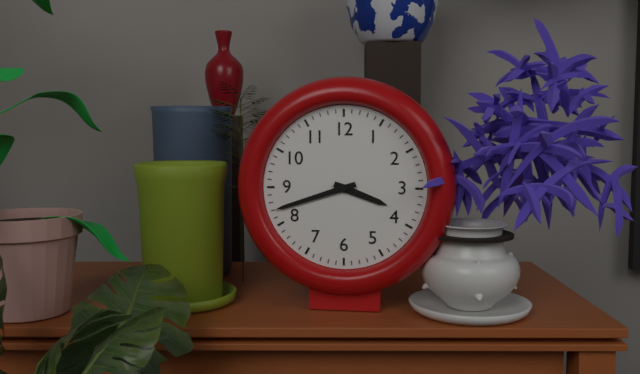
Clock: 3:42
